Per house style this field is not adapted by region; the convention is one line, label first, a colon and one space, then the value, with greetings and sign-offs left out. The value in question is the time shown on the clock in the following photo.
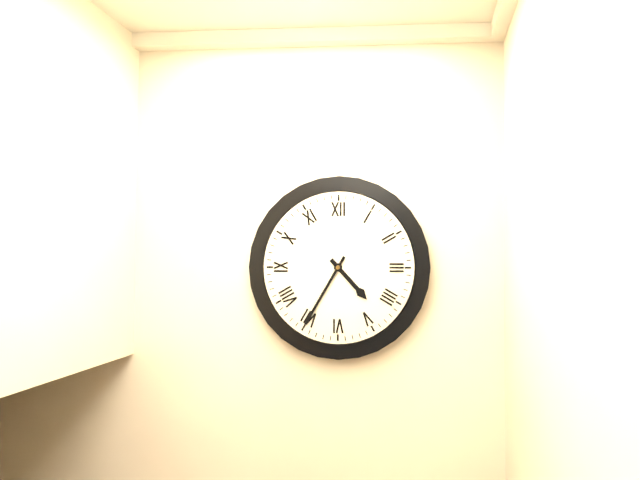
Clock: 4:35
